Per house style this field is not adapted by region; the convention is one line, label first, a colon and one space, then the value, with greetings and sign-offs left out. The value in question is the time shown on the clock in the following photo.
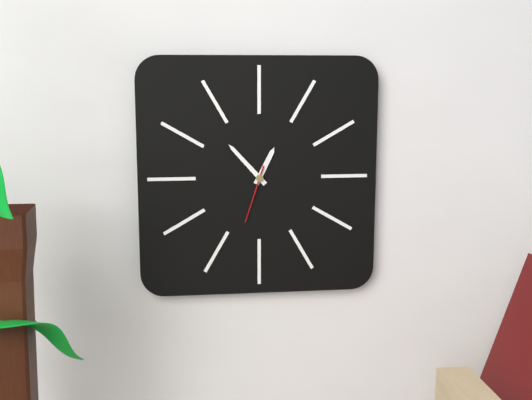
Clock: 12:53:33
